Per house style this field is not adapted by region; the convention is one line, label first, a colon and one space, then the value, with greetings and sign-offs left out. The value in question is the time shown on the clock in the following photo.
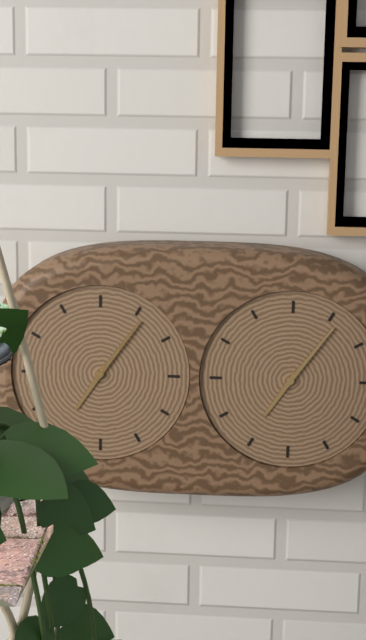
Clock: 7:06
